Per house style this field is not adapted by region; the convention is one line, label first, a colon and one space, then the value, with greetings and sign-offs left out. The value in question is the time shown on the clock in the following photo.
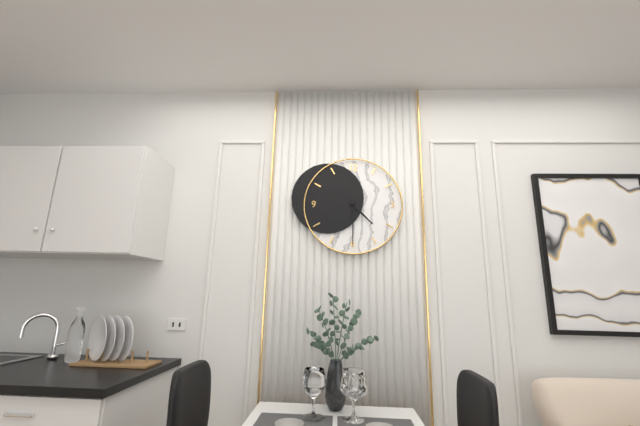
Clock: 4:30
